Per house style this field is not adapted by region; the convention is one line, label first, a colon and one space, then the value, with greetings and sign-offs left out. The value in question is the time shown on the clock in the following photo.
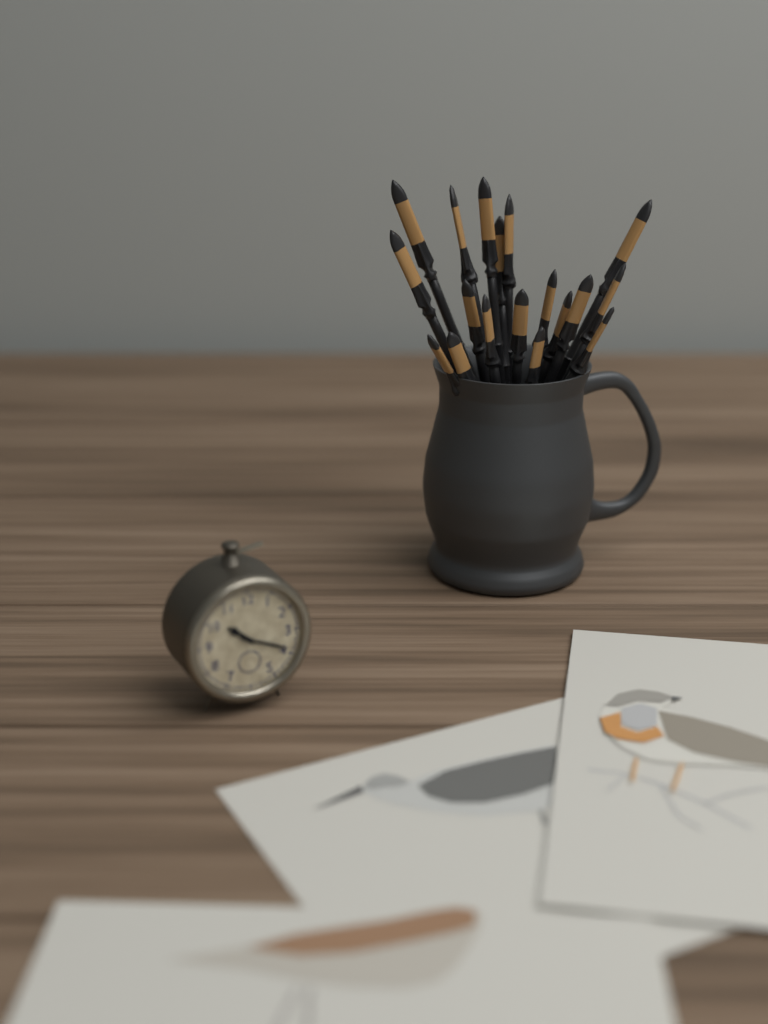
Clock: 10:19
